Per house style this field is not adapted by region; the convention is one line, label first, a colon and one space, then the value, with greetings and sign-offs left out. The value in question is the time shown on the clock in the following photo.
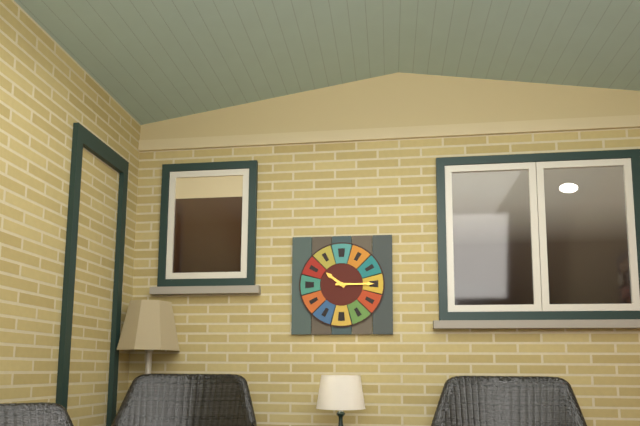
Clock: 10:15
